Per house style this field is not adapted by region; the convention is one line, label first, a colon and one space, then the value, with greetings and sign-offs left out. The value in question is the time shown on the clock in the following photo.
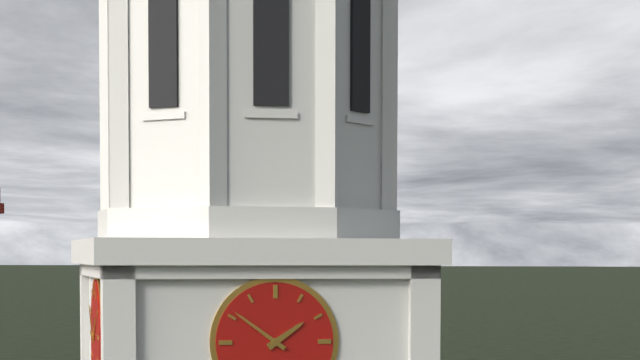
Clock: 1:51
